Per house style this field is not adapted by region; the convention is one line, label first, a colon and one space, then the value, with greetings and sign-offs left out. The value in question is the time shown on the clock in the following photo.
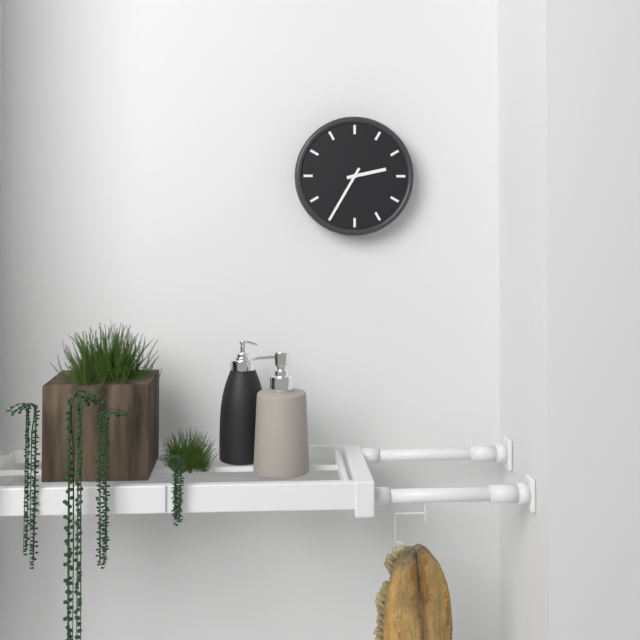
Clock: 2:35
